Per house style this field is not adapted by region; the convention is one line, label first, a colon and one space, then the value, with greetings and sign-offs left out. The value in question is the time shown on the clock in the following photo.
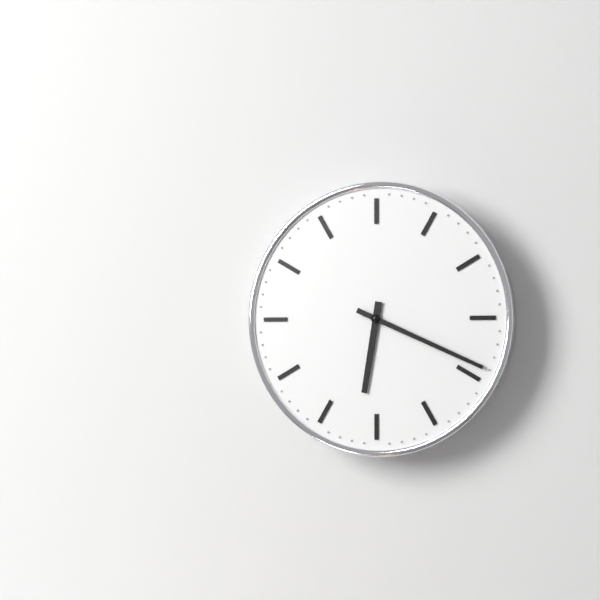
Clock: 6:19
